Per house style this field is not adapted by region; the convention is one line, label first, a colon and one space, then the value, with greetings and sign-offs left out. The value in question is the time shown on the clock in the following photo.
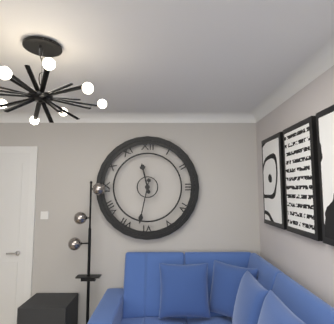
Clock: 11:32
